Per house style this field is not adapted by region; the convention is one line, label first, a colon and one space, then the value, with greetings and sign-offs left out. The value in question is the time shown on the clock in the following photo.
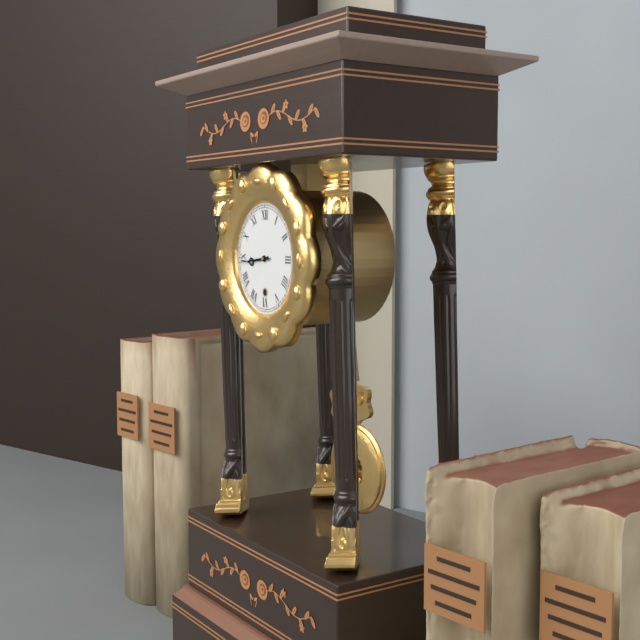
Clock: 8:44
